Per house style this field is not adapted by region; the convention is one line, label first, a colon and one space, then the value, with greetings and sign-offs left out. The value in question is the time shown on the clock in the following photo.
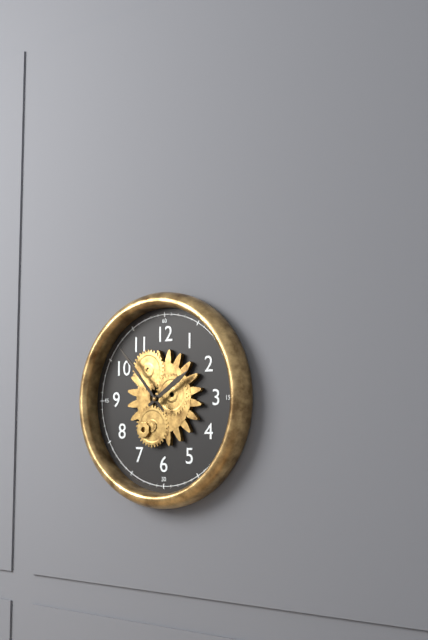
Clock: 1:53
